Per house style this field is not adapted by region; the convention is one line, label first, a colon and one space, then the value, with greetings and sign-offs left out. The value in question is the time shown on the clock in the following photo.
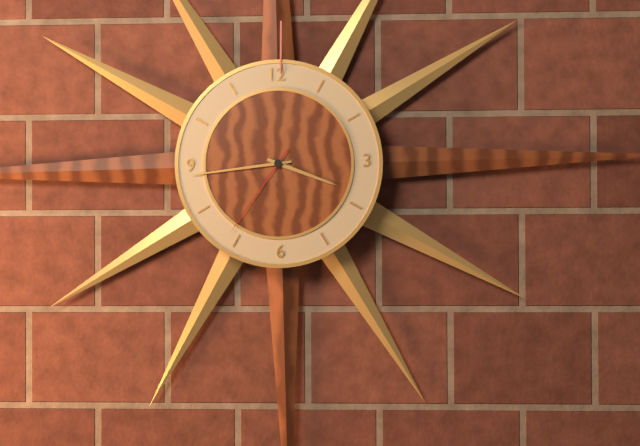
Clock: 3:44:36
